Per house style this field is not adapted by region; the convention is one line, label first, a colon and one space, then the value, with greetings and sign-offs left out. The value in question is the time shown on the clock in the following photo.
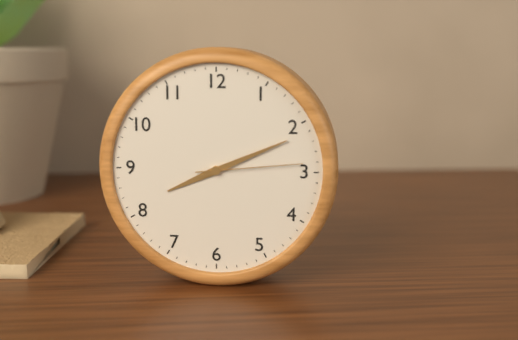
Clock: 8:11:14
